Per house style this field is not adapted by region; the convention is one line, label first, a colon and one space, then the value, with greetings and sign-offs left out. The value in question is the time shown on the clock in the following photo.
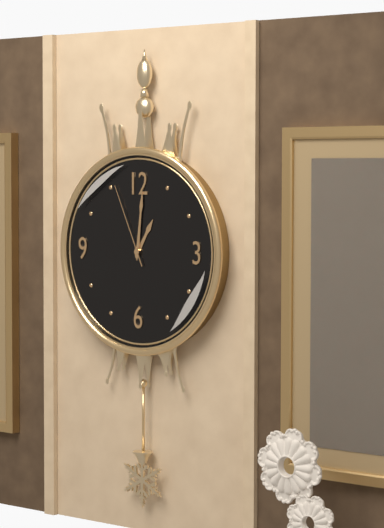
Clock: 1:01:56
